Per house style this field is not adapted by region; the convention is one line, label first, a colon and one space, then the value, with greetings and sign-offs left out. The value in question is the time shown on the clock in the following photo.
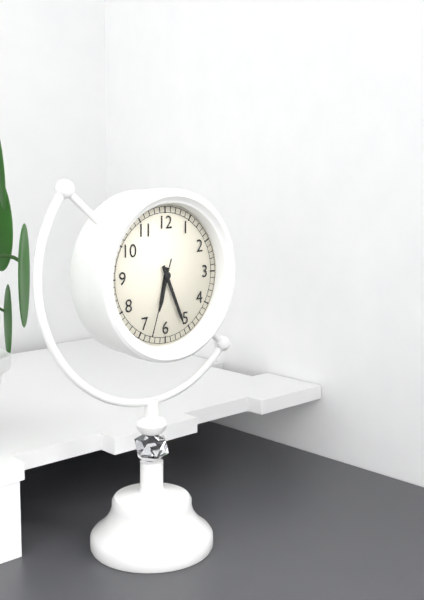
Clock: 6:26:33
